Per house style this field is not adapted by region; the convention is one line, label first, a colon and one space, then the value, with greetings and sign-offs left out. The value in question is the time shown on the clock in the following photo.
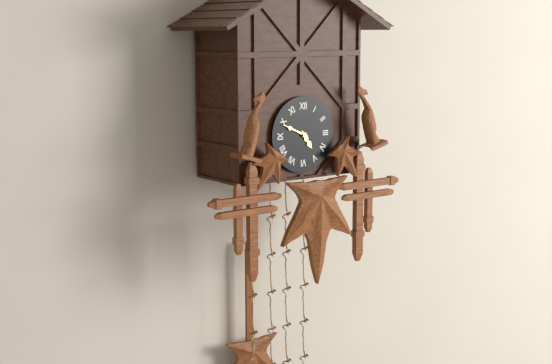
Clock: 4:49
